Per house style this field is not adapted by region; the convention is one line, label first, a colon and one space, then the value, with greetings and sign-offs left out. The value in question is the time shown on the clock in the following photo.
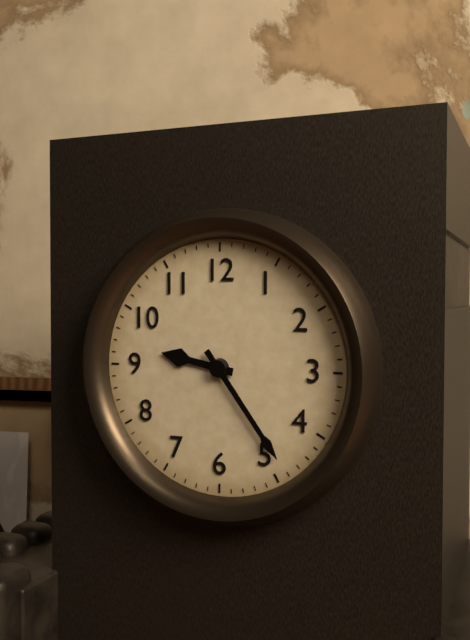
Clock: 9:24
